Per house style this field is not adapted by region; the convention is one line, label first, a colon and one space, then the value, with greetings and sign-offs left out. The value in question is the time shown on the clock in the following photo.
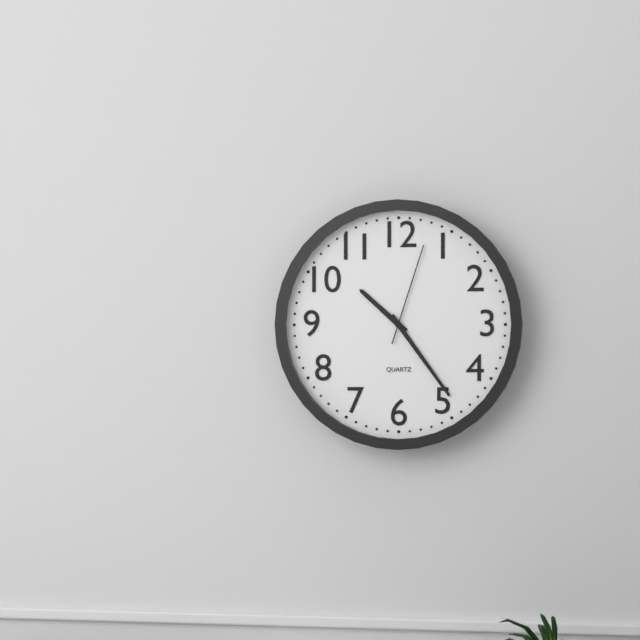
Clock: 10:24:03
